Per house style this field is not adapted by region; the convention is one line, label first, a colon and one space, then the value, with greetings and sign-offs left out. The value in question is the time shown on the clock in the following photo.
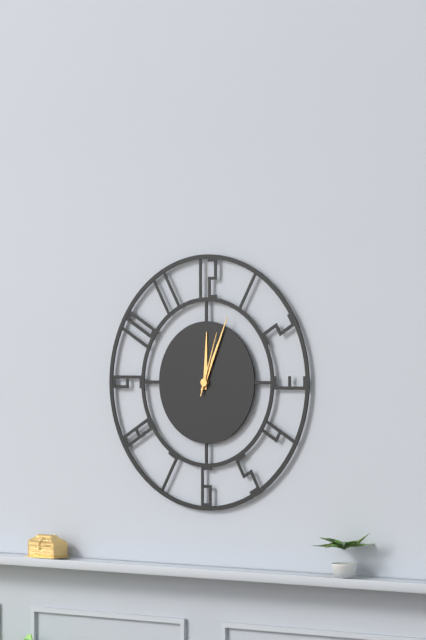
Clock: 12:04:03
